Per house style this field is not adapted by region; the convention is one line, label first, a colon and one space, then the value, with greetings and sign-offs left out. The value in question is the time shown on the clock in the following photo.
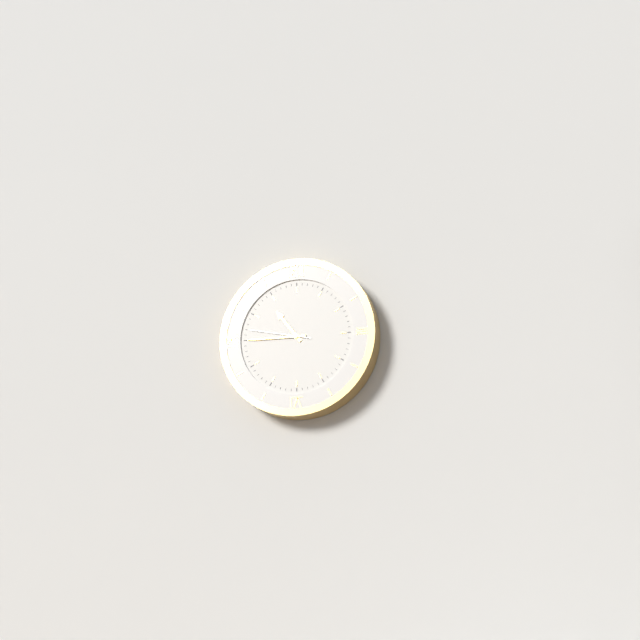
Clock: 10:45:47
